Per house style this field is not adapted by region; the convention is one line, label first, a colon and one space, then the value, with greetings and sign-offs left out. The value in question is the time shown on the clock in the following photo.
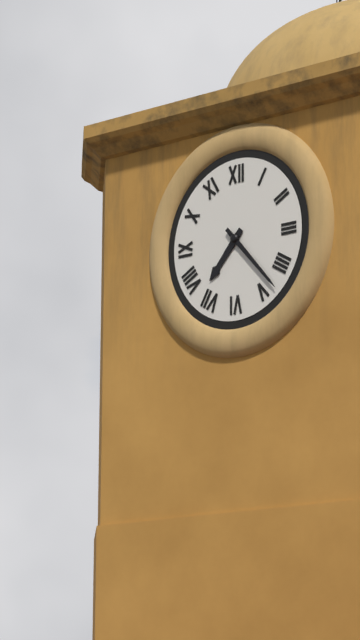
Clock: 7:23
